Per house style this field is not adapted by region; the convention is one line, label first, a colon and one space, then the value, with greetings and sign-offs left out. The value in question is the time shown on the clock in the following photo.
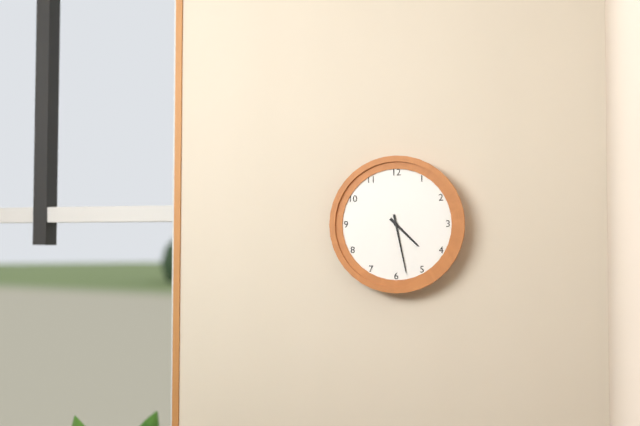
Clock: 4:28
